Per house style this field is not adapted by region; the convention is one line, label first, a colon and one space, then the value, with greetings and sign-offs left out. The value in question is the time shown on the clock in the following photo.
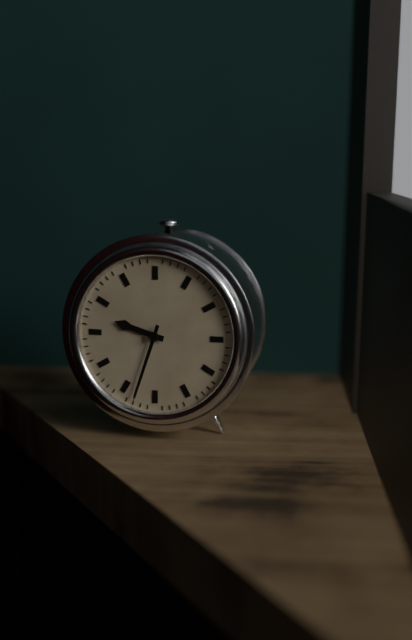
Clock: 9:33
